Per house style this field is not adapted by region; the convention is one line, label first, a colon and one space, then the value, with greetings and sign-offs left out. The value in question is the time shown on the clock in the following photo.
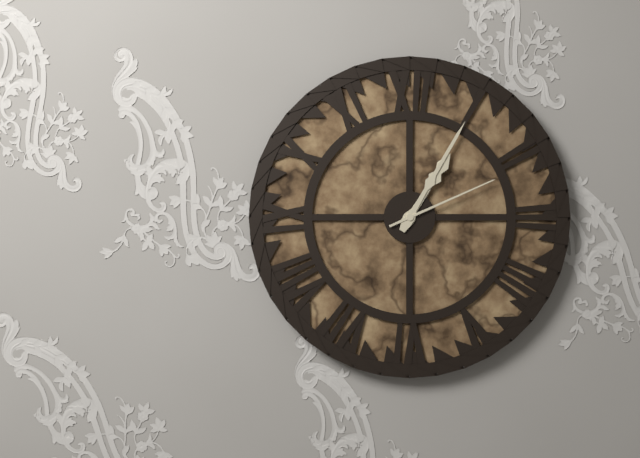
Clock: 1:05:11
